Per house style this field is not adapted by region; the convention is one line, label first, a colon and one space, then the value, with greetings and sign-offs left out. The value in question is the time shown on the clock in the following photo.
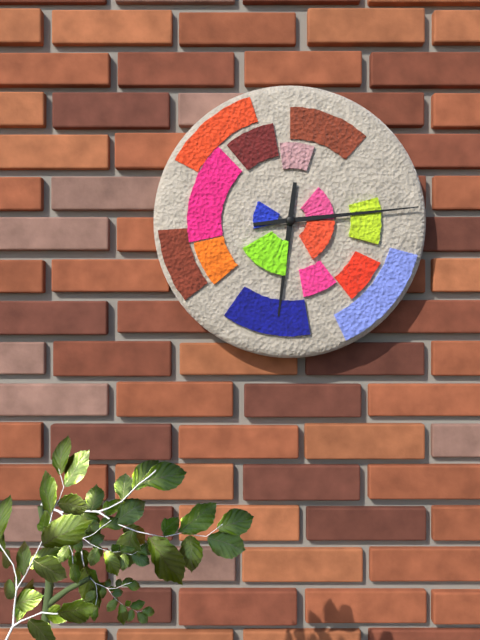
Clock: 6:14
